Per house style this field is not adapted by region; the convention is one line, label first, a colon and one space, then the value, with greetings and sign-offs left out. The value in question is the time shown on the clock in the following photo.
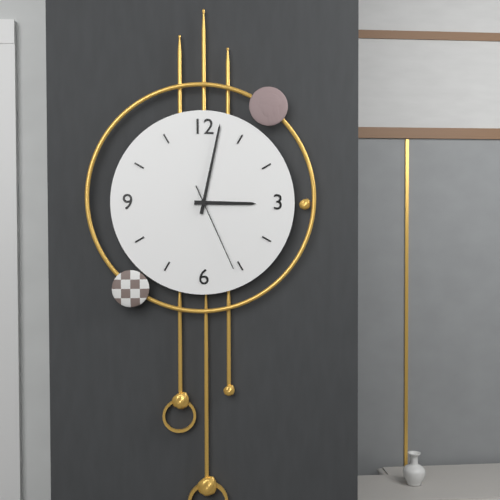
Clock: 3:02:26
